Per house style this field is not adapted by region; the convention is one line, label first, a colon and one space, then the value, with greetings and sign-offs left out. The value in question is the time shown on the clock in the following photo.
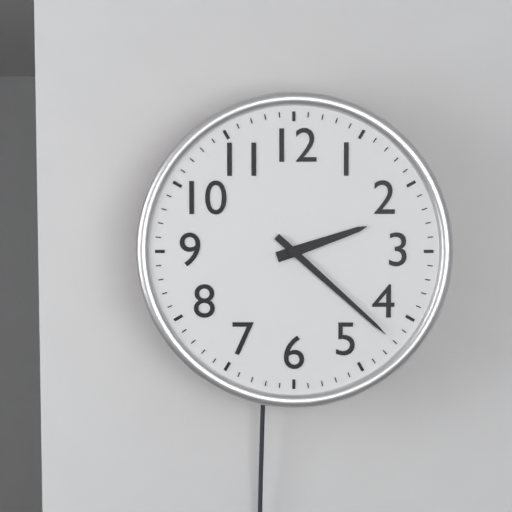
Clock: 2:22
